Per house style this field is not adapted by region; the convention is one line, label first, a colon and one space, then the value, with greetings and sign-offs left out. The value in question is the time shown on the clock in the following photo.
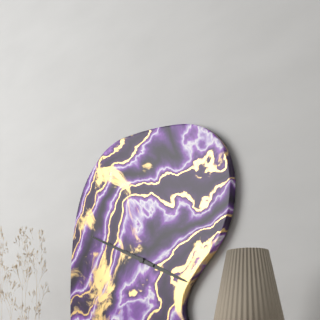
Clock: 3:49
